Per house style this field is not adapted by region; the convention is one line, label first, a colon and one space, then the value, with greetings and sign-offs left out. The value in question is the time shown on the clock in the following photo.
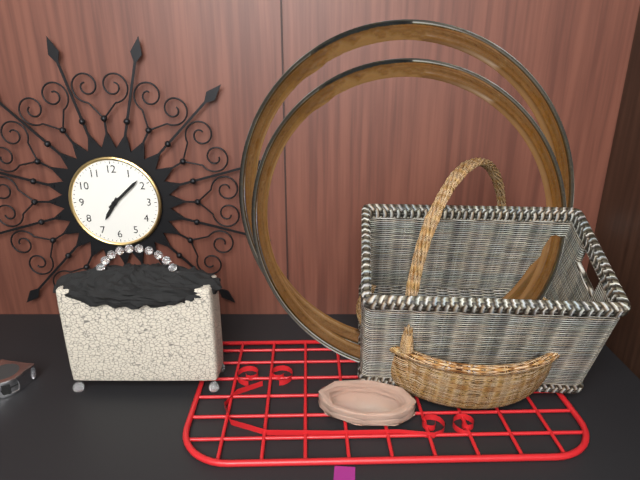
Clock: 7:08
